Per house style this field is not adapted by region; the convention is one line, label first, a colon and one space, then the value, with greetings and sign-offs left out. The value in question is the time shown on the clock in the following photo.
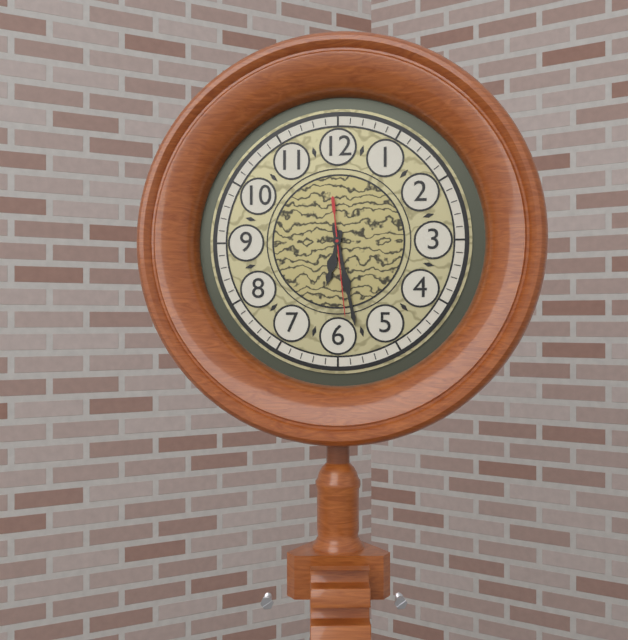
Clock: 6:28:29
